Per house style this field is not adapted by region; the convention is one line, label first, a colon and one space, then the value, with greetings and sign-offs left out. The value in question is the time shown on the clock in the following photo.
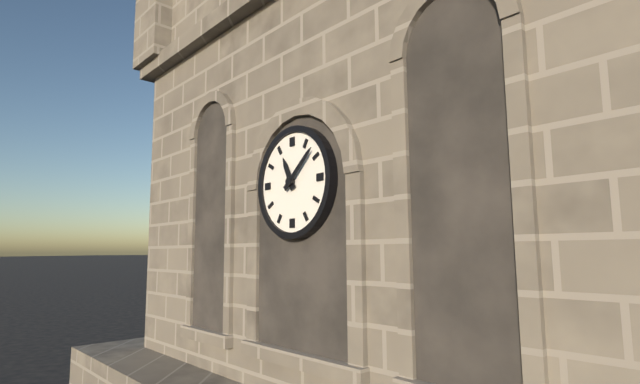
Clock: 11:08
